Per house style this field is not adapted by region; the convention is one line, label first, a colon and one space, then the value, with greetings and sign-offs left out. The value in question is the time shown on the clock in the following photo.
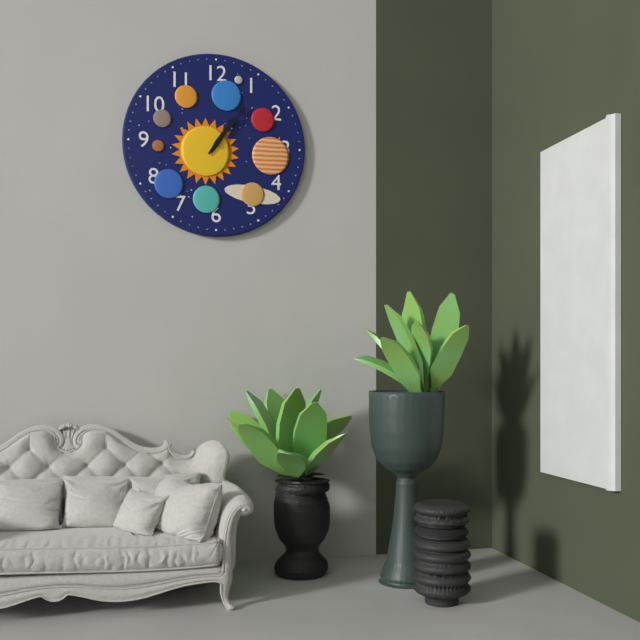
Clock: 1:06
